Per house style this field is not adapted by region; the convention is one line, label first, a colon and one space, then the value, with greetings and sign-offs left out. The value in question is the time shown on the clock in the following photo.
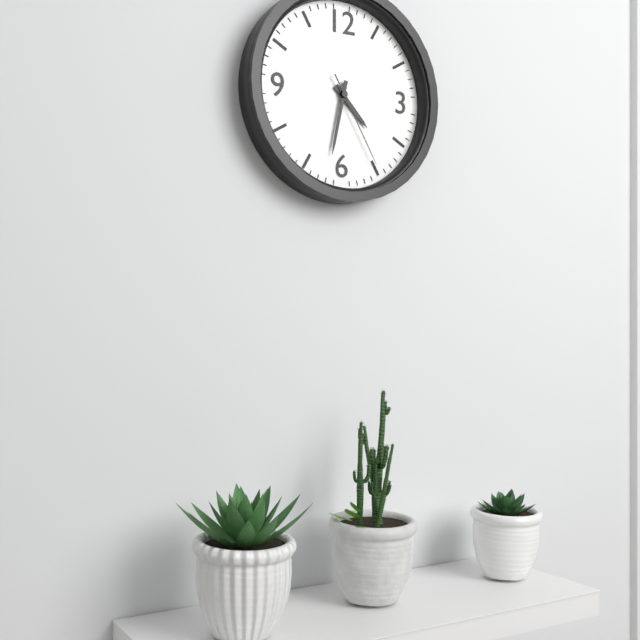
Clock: 4:32:25
